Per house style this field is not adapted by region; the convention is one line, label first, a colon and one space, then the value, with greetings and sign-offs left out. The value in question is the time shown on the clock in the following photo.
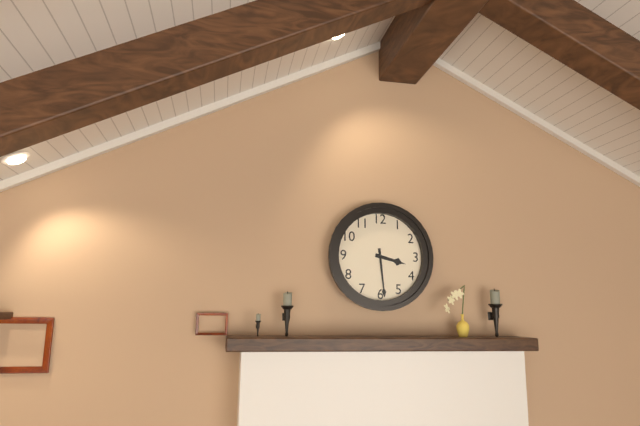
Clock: 3:29
